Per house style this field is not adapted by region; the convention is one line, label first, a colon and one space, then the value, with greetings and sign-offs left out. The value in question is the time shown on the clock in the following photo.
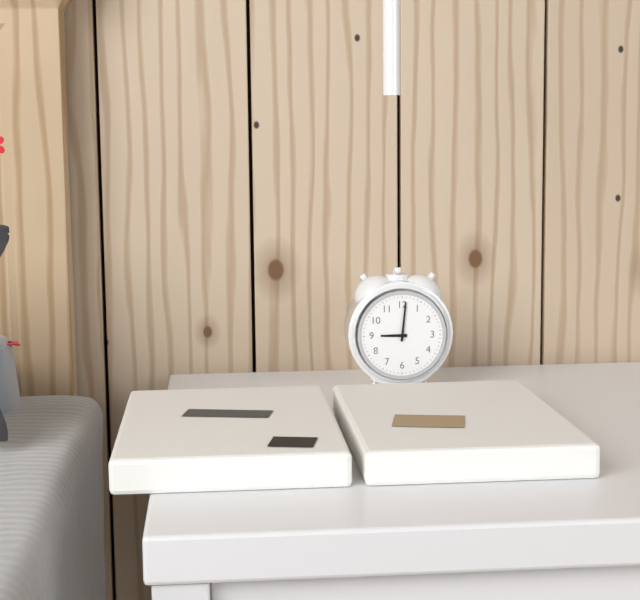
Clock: 9:01
